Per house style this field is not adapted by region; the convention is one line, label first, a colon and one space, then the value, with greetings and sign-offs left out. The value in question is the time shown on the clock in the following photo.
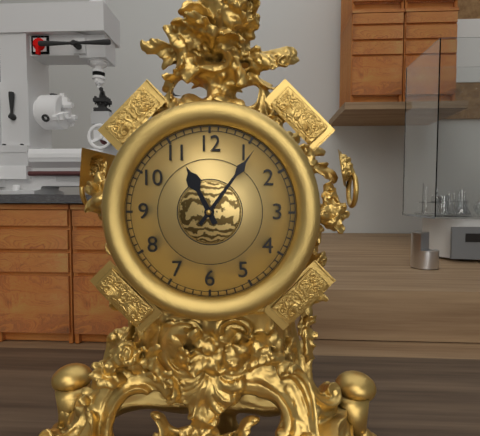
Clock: 11:06
